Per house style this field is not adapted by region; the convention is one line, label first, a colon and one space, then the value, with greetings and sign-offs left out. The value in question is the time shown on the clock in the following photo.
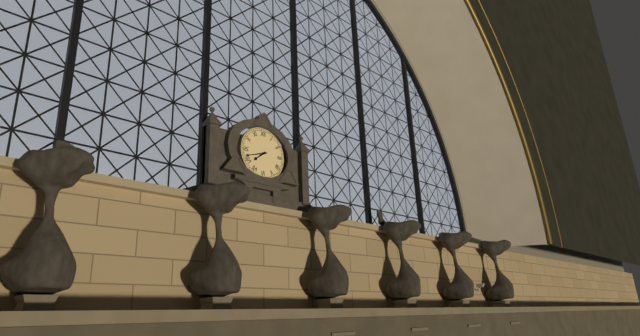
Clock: 7:42
